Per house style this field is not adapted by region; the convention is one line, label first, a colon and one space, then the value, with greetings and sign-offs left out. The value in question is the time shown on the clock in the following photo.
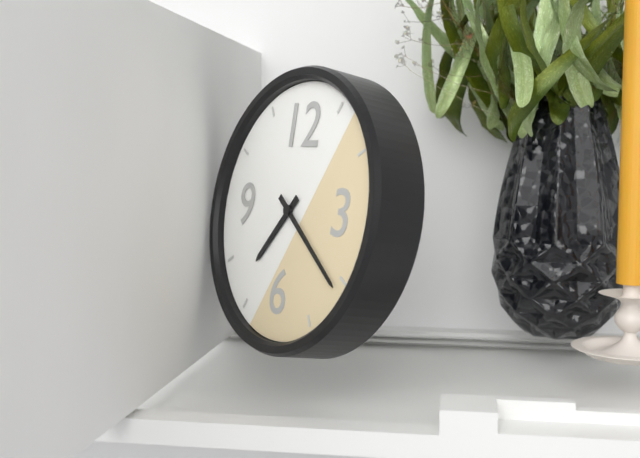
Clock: 7:21
